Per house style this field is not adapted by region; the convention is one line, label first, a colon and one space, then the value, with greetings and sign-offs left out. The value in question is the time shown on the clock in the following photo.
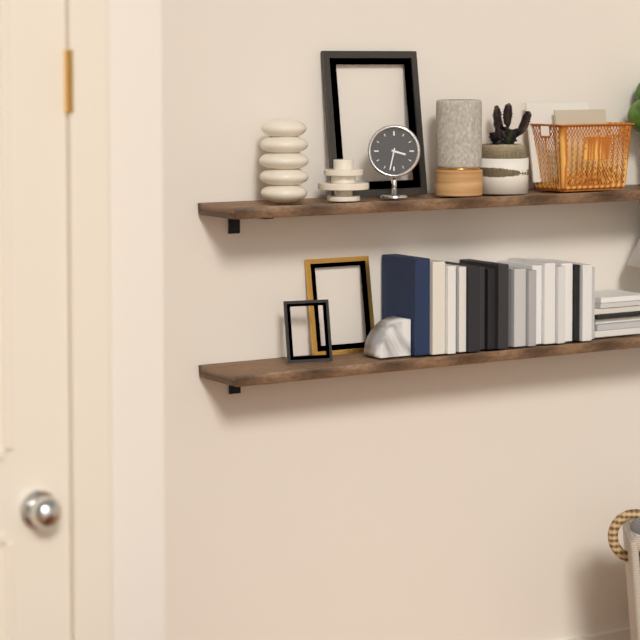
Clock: 3:32
